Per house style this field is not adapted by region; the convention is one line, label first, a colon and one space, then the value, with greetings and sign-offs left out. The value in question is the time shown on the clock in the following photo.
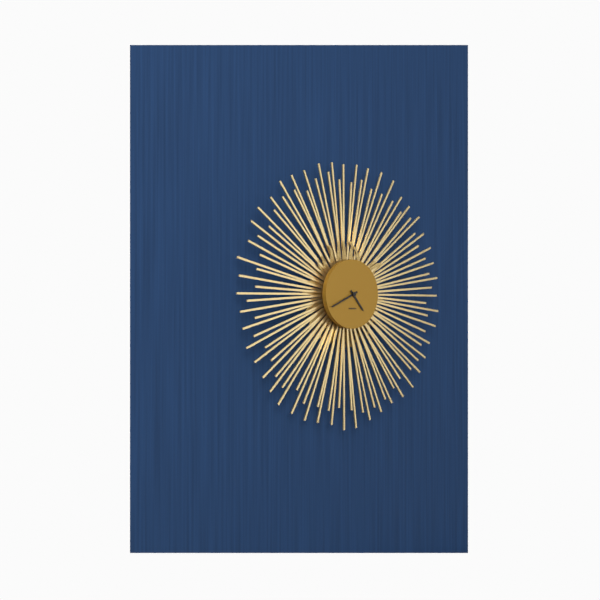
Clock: 4:41
